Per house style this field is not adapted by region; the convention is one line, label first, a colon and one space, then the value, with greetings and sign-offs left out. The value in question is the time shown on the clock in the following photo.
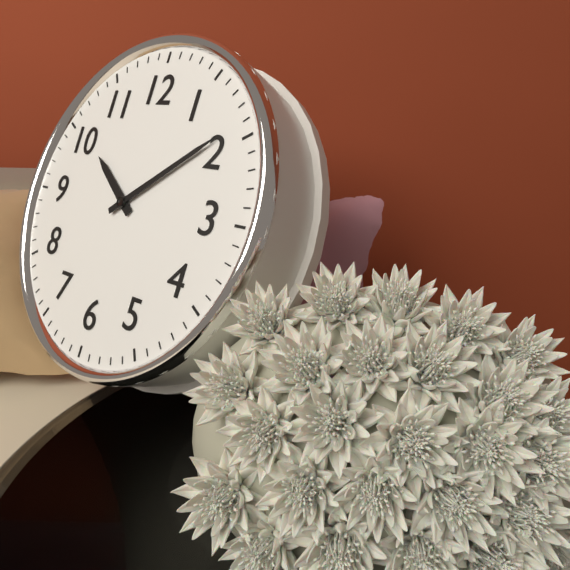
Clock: 10:09
